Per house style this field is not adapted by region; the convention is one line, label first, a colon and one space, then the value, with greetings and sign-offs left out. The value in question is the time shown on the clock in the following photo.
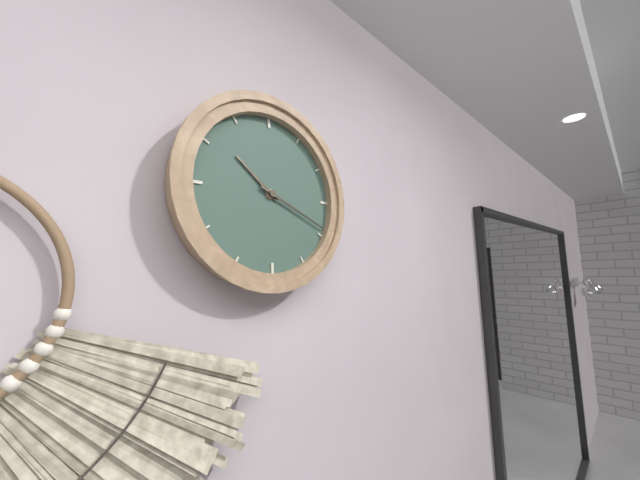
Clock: 10:19
